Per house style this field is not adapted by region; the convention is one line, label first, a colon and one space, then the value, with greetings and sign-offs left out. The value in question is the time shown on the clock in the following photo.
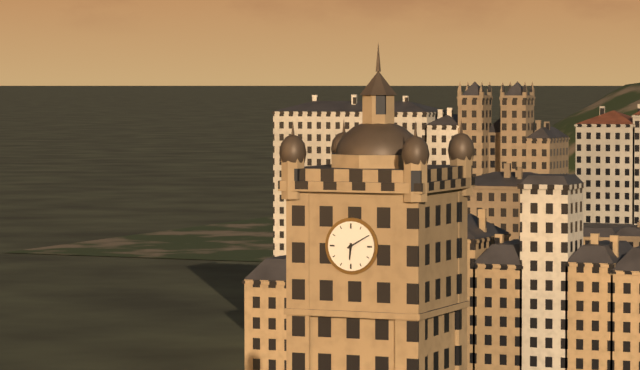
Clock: 6:10
